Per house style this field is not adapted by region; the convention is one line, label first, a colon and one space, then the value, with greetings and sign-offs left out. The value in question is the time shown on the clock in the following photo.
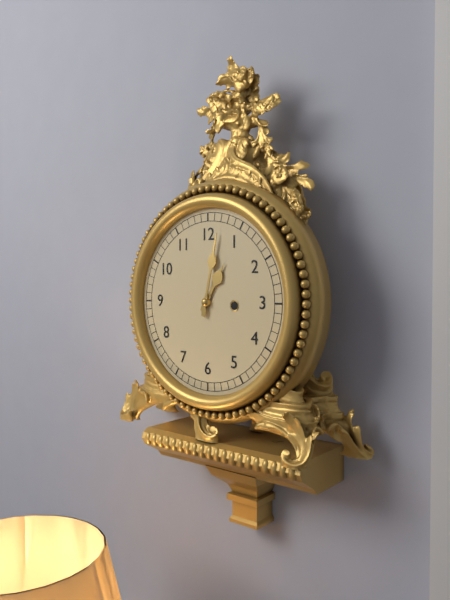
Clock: 1:02
